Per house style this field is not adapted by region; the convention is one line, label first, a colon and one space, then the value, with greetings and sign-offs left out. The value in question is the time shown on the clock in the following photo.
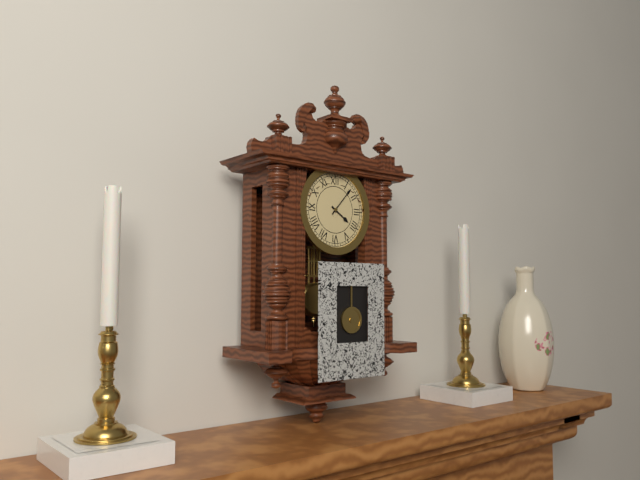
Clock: 4:07
